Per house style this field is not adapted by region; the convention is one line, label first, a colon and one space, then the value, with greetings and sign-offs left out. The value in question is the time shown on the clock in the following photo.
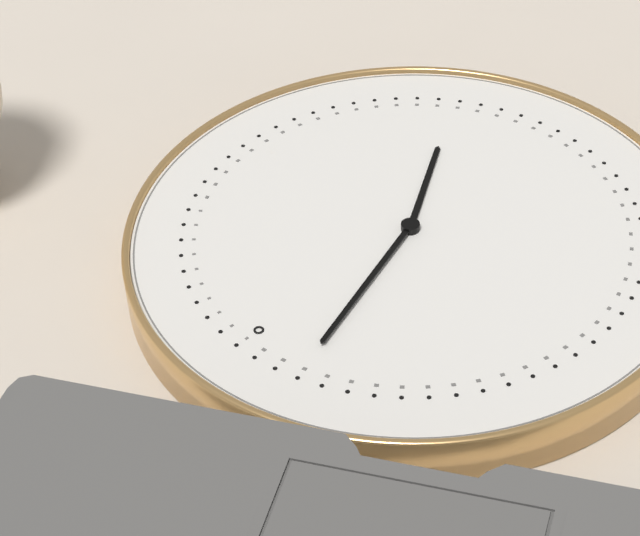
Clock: 4:57
